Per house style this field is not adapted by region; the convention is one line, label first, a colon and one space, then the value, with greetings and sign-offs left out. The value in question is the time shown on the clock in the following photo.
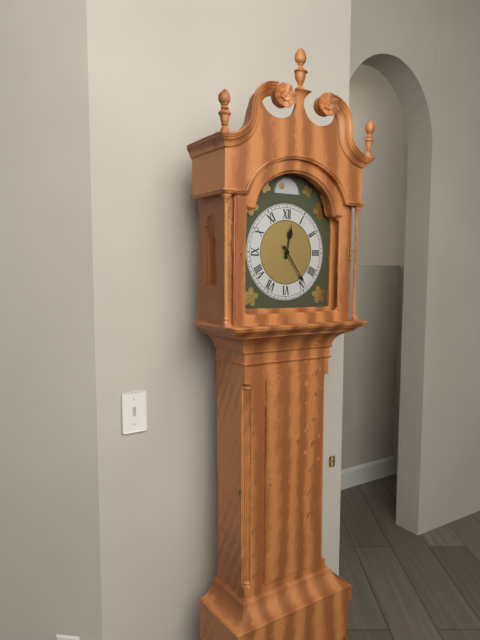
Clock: 12:24
